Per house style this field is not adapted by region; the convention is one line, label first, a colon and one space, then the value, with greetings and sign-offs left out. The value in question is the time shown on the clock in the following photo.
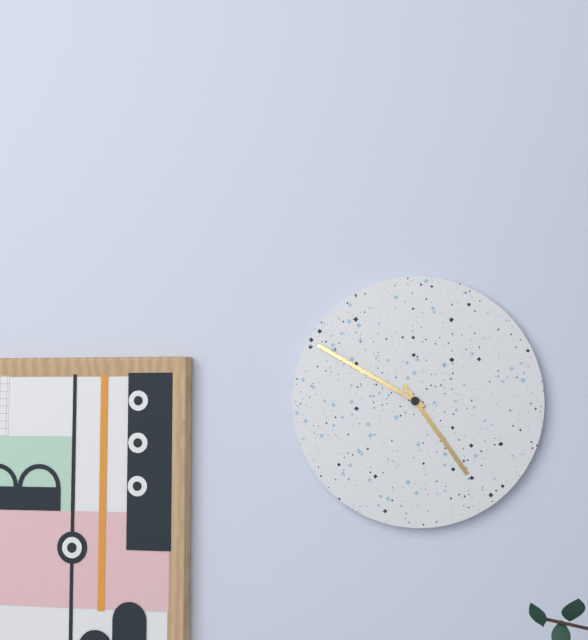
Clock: 4:50
